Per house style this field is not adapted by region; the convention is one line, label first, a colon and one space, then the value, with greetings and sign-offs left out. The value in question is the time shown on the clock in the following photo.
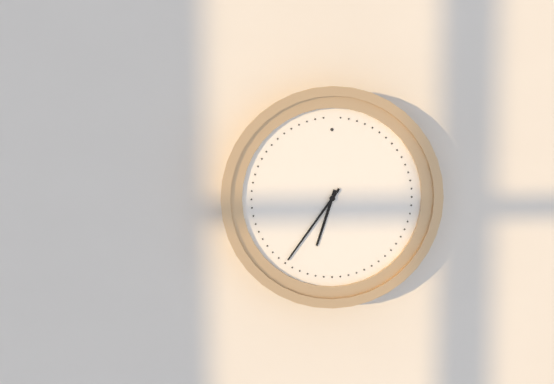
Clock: 6:36
